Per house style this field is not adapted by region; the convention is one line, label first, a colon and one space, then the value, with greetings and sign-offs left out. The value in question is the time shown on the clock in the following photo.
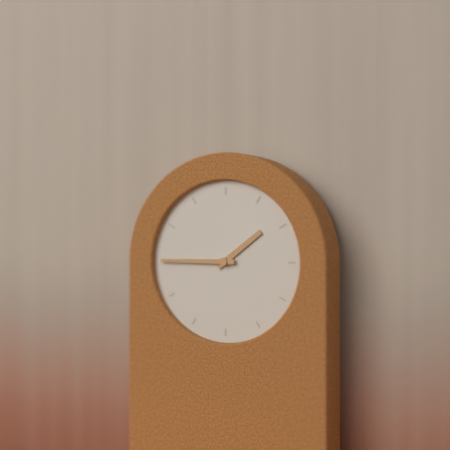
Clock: 1:45
